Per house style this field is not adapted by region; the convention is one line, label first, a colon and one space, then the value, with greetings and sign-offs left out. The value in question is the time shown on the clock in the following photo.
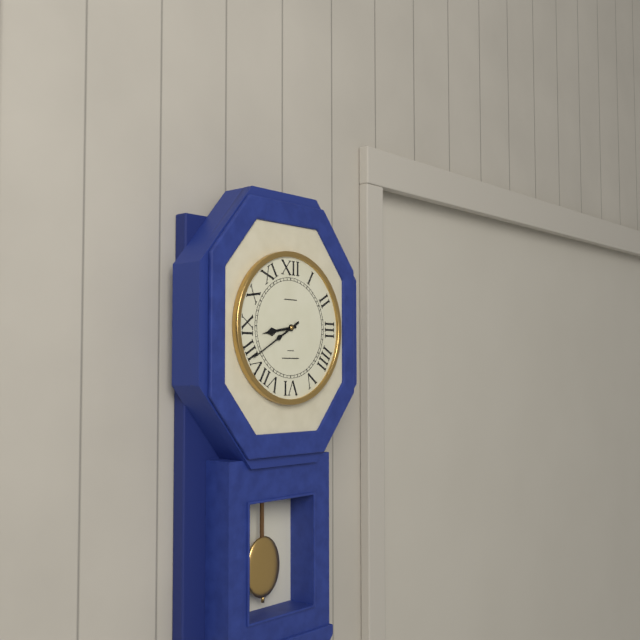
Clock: 8:40
